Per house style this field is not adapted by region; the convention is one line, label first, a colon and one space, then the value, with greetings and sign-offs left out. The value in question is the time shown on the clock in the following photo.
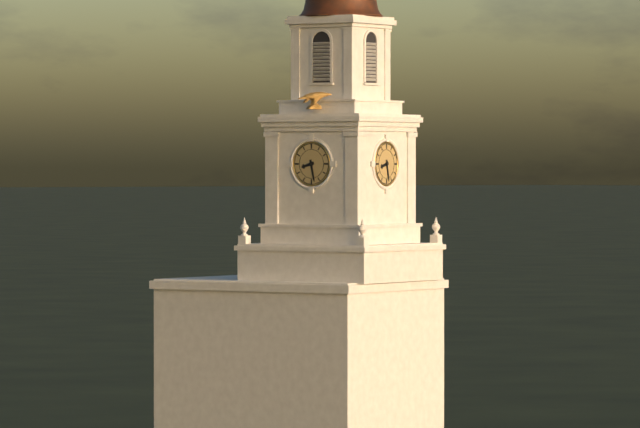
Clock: 8:28
